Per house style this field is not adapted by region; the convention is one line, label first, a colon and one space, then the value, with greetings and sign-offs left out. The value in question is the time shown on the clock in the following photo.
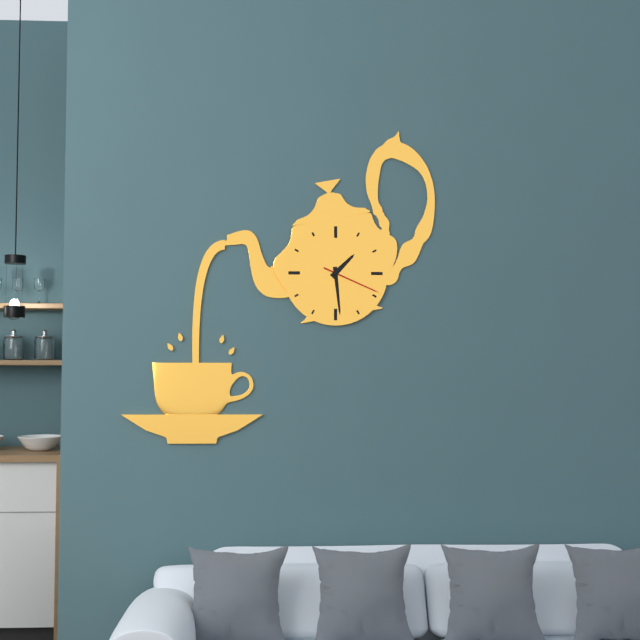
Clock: 1:29:19
